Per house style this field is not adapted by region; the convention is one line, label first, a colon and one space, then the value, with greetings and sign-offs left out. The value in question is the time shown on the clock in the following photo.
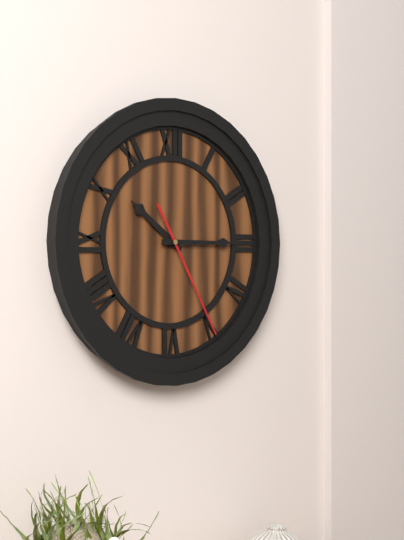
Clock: 10:15:25
